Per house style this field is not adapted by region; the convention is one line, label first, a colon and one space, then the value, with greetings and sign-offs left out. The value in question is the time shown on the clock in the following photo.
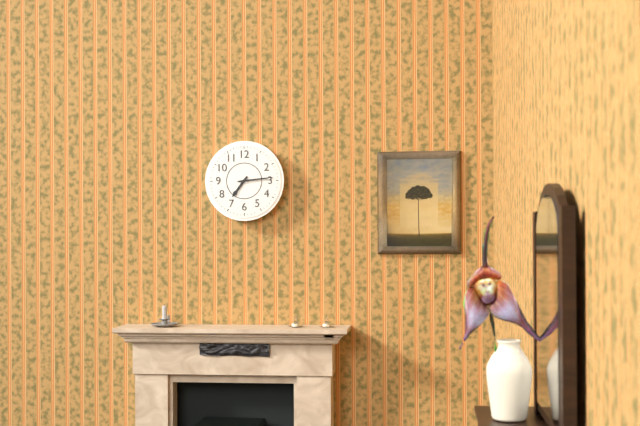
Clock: 7:14
